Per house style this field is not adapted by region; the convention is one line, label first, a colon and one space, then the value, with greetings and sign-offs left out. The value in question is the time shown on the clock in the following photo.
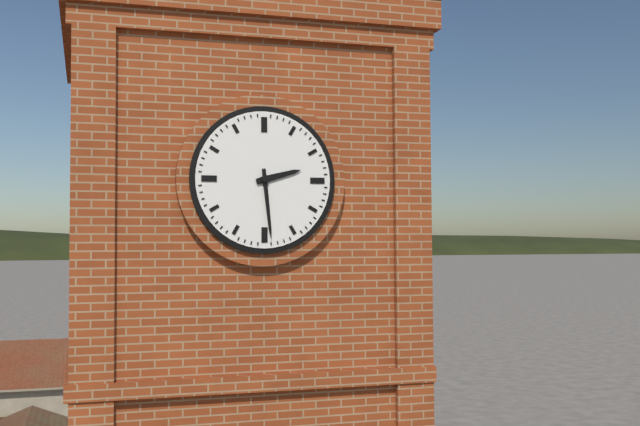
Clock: 2:29
